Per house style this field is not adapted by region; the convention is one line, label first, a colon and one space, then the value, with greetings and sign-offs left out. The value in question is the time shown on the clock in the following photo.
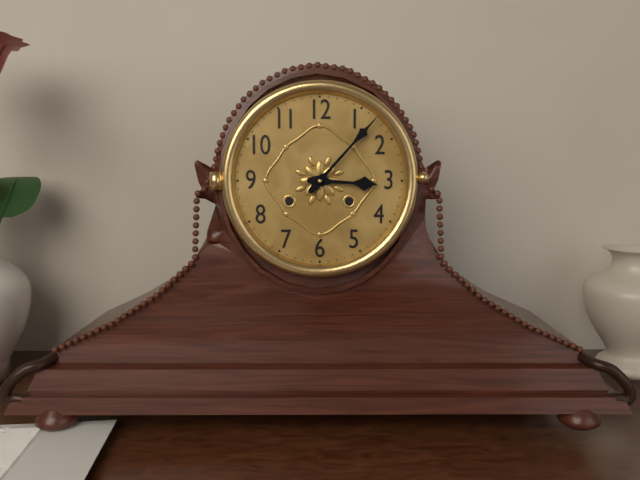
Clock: 3:07
